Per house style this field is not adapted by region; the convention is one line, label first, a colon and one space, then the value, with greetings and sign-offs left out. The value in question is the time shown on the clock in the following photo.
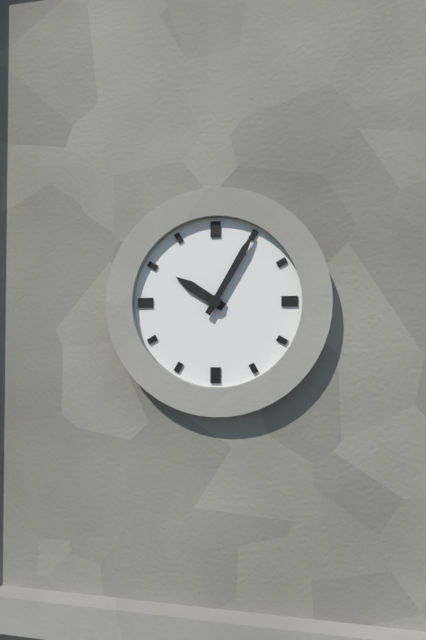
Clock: 10:05
